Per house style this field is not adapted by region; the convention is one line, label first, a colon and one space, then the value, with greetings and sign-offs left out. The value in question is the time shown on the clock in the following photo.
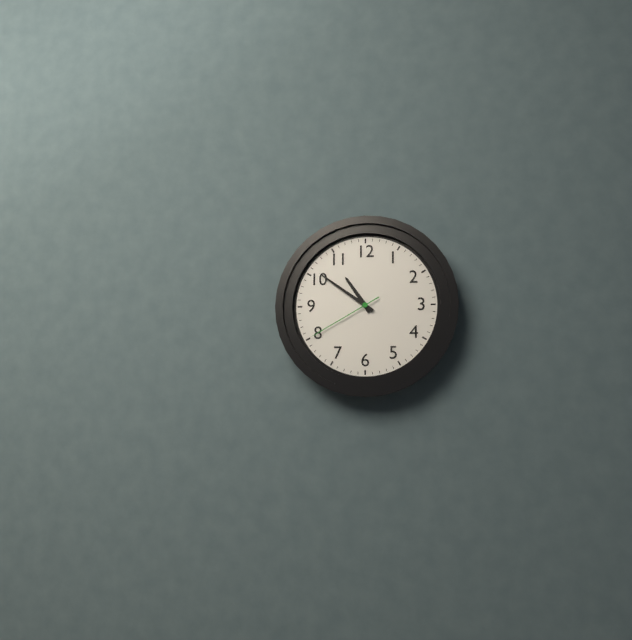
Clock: 10:51:40
